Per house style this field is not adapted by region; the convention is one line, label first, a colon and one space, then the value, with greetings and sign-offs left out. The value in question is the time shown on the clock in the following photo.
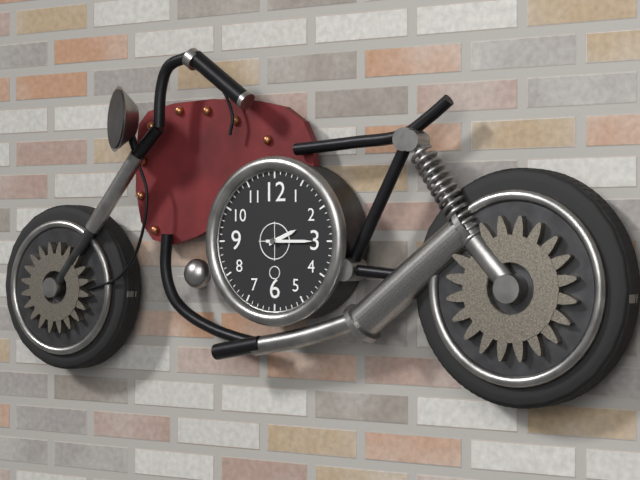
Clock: 2:15
